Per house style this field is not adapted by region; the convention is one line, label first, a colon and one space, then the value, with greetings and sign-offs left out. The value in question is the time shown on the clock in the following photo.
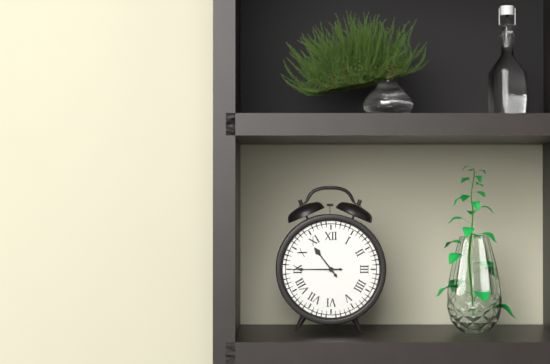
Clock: 10:45
